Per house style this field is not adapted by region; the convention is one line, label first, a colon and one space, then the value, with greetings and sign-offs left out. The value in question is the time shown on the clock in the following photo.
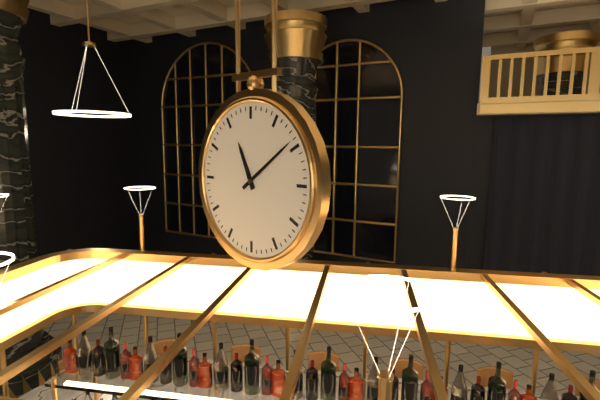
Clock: 11:09
